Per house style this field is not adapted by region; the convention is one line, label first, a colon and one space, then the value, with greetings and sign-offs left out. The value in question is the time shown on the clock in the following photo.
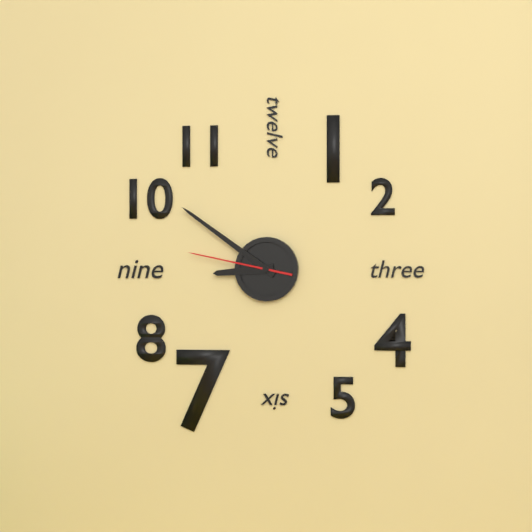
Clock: 8:51:47
